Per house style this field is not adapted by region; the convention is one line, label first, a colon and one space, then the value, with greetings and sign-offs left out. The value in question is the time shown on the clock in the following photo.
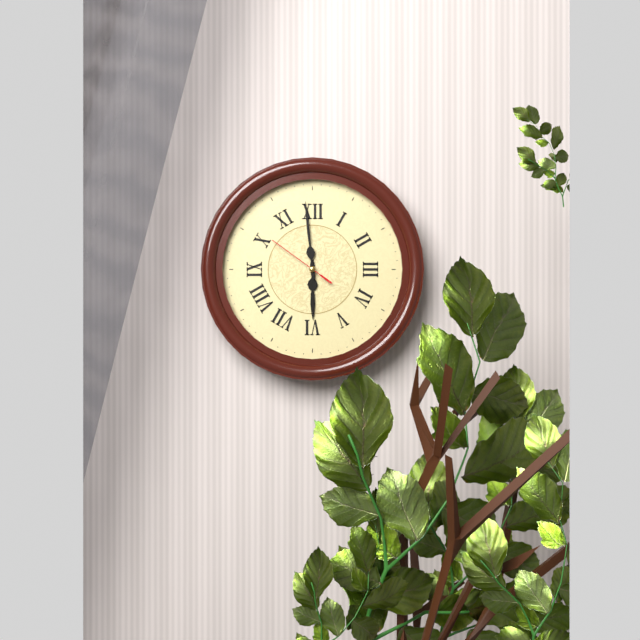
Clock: 5:59:51
